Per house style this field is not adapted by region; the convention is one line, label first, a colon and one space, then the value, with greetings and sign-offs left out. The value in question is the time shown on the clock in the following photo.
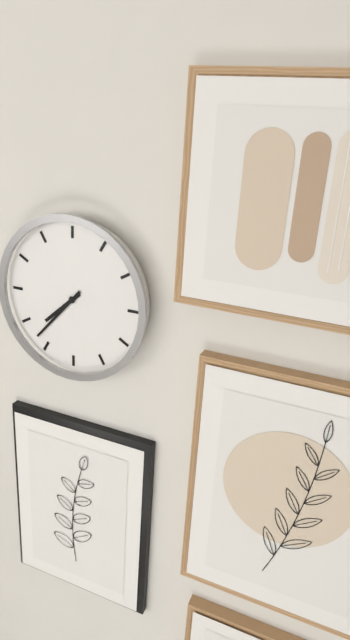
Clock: 7:37
